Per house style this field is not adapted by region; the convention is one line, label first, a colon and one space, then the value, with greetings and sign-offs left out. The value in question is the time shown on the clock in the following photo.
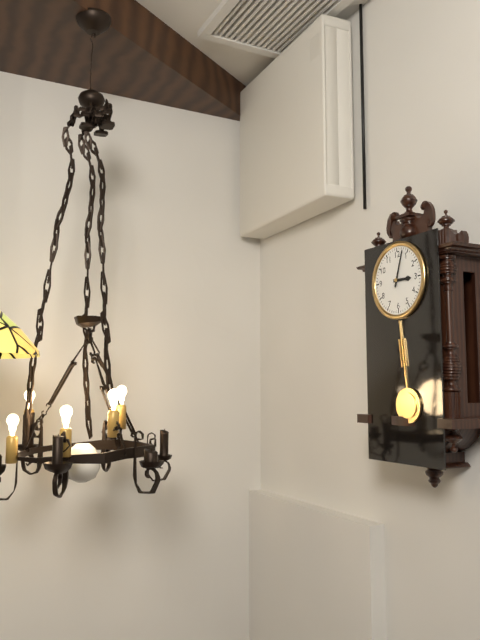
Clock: 3:03
